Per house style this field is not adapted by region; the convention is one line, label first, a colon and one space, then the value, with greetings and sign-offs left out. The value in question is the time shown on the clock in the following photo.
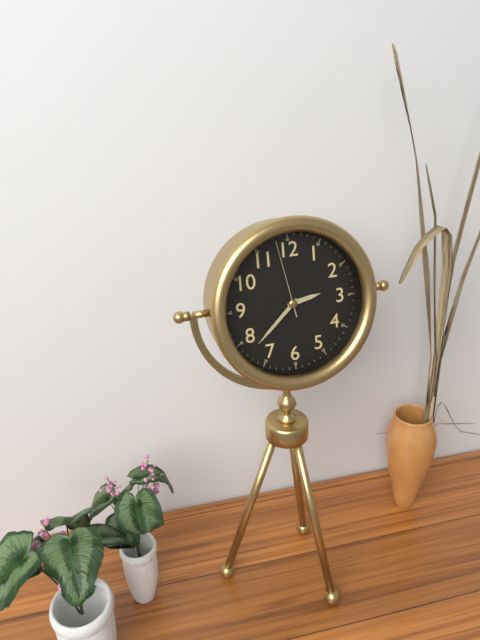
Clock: 2:38:58
